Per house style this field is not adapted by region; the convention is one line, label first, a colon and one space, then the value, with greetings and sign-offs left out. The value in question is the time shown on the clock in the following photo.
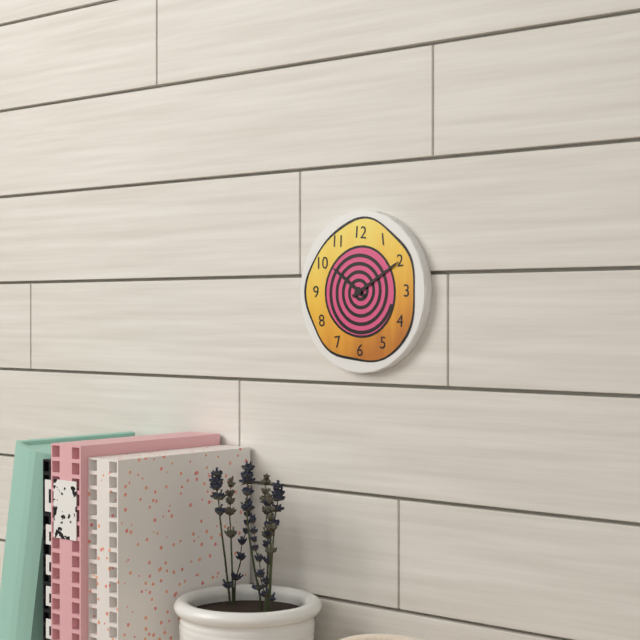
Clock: 10:10
